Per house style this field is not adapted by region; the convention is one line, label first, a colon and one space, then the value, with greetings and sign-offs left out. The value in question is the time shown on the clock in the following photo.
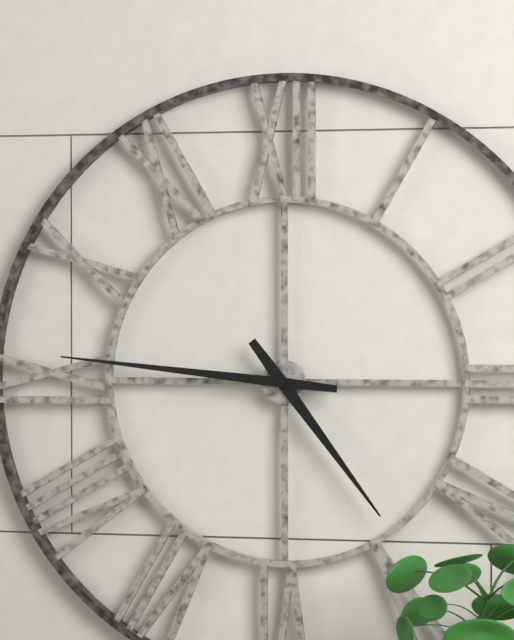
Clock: 4:46
